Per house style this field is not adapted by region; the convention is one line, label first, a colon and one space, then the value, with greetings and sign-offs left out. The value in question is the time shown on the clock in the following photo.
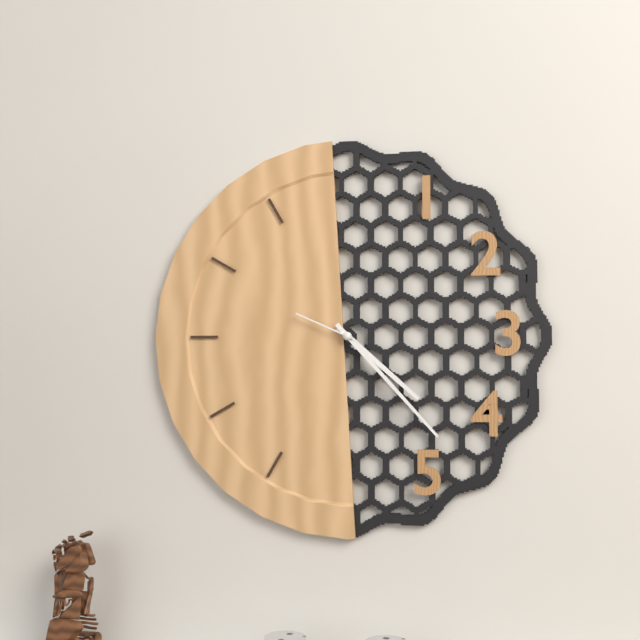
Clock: 4:23:49
